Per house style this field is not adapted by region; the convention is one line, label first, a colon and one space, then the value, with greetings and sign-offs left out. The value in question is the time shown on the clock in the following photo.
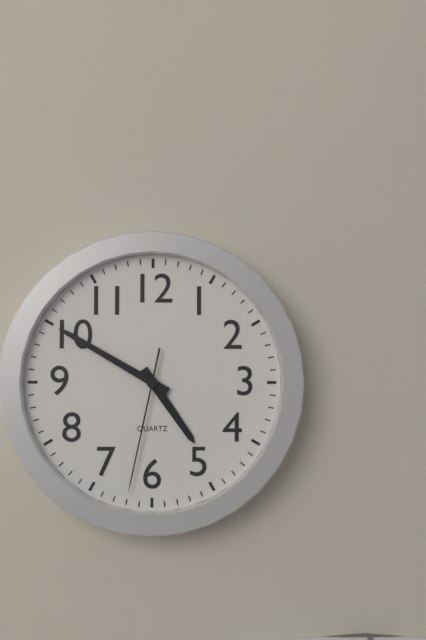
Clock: 4:50:32
